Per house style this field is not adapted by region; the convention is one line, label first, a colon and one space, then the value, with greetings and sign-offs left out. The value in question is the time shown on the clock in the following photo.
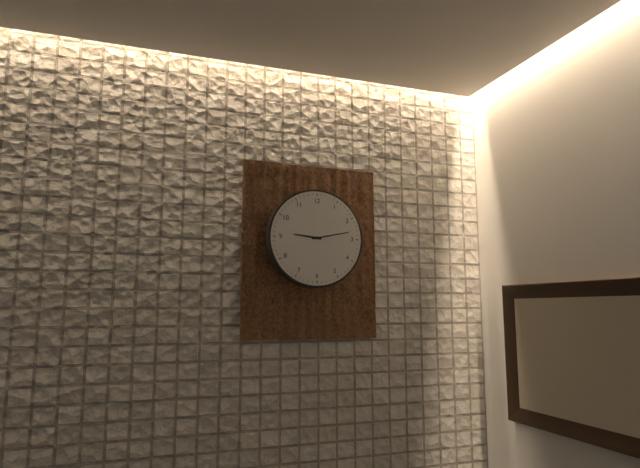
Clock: 9:13
